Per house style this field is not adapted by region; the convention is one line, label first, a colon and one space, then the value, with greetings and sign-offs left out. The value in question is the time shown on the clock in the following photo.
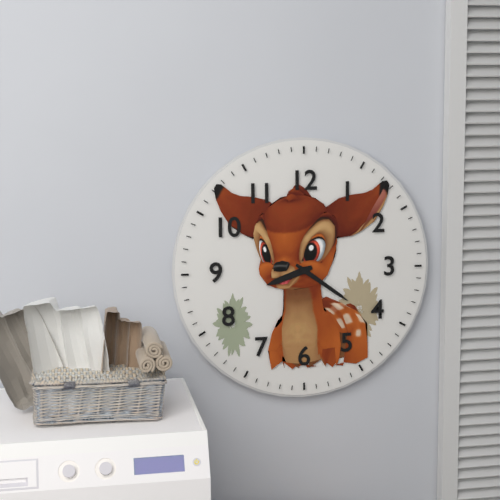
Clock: 8:21
